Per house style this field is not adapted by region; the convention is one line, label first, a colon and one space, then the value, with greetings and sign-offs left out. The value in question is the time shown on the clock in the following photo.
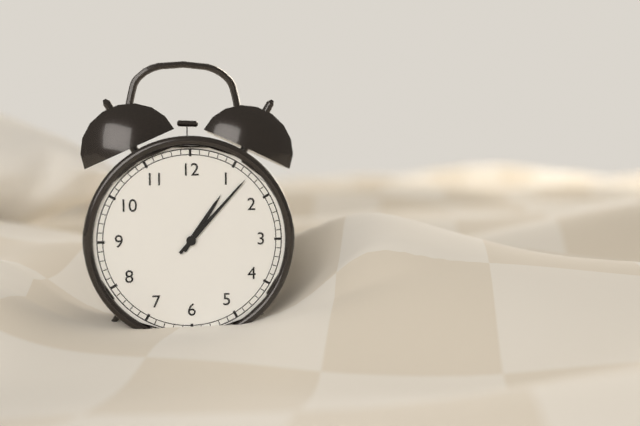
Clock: 1:07
